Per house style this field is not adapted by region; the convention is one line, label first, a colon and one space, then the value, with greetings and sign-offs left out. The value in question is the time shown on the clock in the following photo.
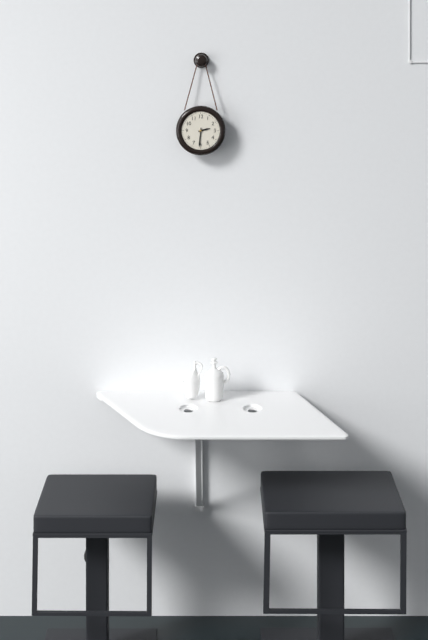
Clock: 2:31
